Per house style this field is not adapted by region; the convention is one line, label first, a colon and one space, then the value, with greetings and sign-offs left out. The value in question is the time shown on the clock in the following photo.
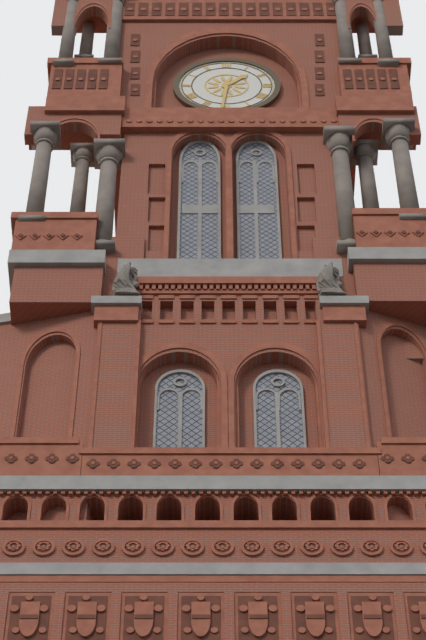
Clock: 1:31
